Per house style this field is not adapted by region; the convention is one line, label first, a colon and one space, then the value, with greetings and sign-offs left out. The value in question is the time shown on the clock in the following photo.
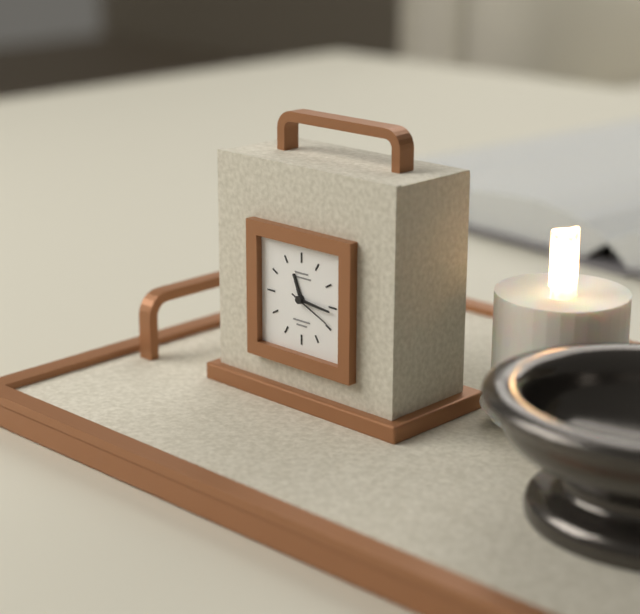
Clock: 11:16
